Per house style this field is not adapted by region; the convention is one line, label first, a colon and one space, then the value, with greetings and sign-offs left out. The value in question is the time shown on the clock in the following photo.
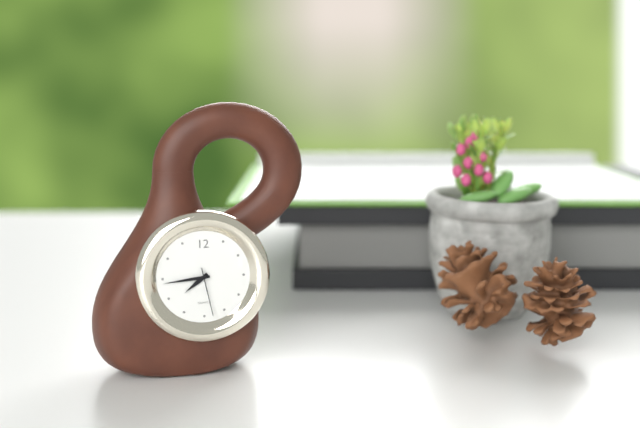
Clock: 7:44
